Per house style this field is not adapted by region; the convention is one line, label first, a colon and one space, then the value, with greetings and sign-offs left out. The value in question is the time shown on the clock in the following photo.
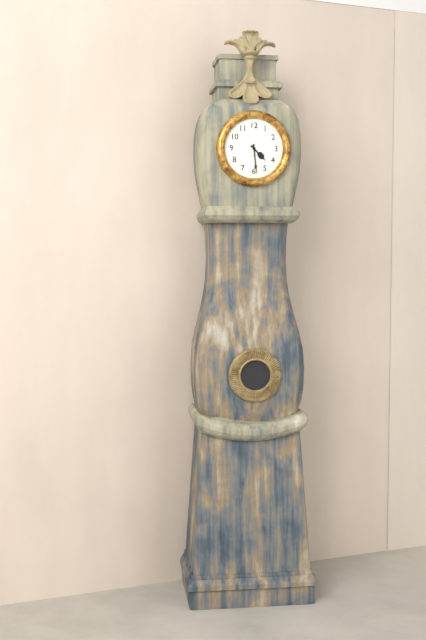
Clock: 4:29
